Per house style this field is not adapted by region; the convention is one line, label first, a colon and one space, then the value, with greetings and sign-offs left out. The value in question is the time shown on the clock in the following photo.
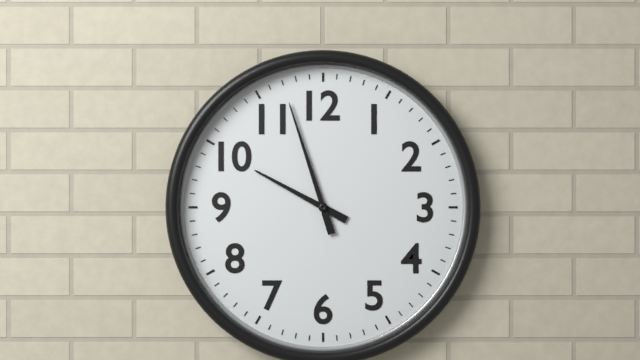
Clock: 9:57
